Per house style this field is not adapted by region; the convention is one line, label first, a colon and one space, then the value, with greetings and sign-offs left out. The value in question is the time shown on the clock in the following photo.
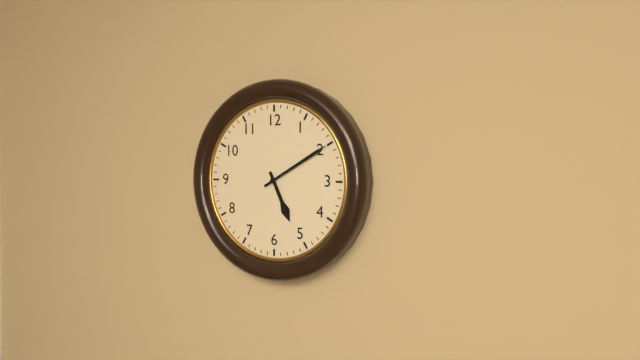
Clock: 5:10
